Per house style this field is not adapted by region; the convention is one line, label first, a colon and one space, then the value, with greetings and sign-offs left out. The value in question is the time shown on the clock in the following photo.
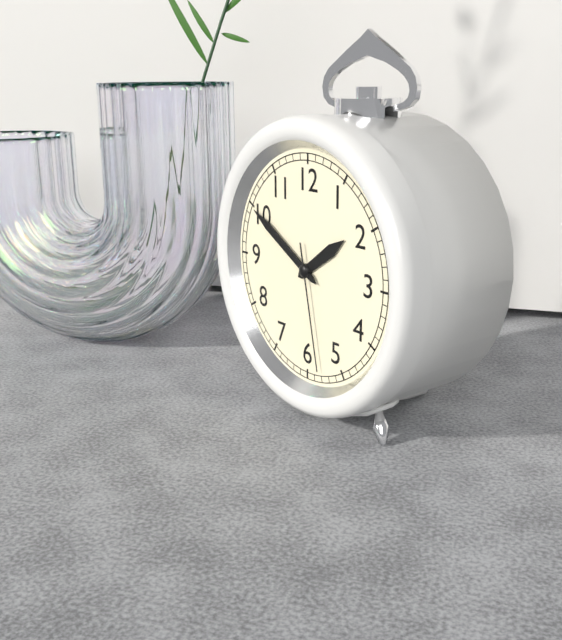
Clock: 1:50:28
